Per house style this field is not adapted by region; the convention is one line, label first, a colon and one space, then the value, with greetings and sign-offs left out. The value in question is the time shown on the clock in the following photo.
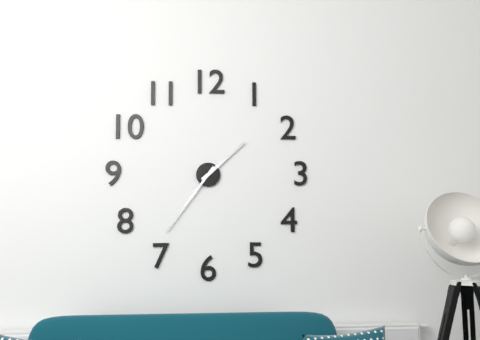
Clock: 1:36
